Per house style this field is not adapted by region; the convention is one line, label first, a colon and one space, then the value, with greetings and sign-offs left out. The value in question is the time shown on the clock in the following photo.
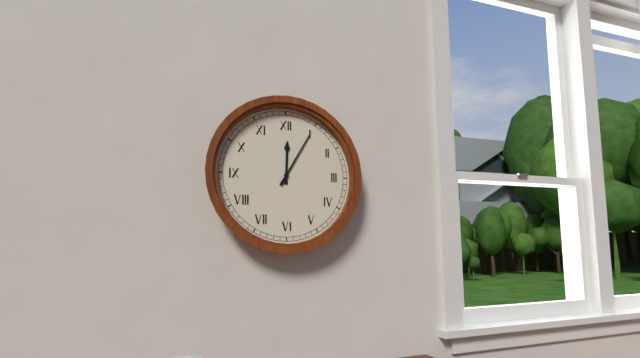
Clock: 12:05
